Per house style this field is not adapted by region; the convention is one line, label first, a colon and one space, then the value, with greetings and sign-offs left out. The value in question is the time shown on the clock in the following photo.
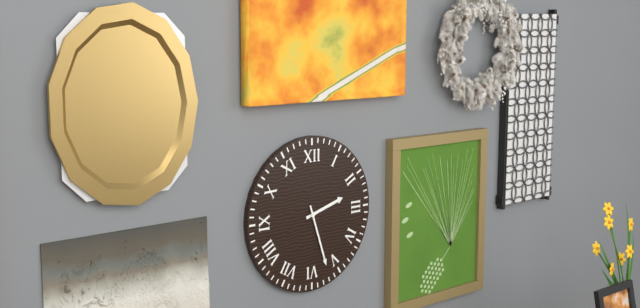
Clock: 2:27
